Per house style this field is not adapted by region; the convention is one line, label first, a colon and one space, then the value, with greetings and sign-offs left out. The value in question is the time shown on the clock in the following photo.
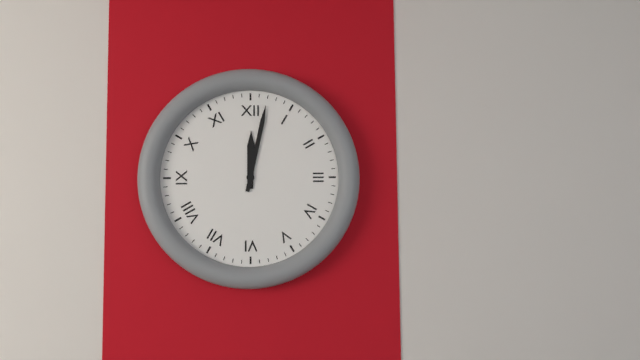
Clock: 12:02
